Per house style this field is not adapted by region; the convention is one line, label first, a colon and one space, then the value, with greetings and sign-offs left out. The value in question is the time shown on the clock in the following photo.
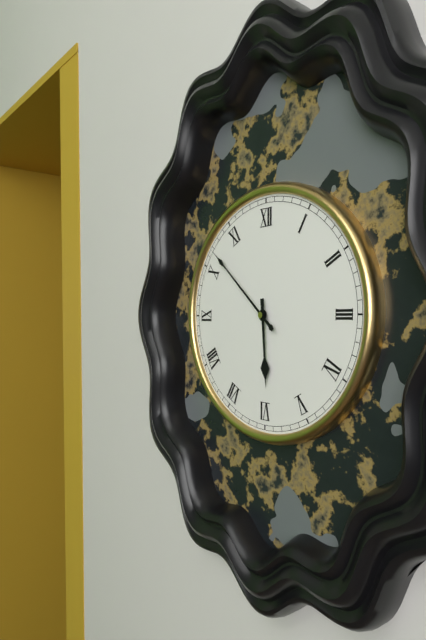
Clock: 5:52
